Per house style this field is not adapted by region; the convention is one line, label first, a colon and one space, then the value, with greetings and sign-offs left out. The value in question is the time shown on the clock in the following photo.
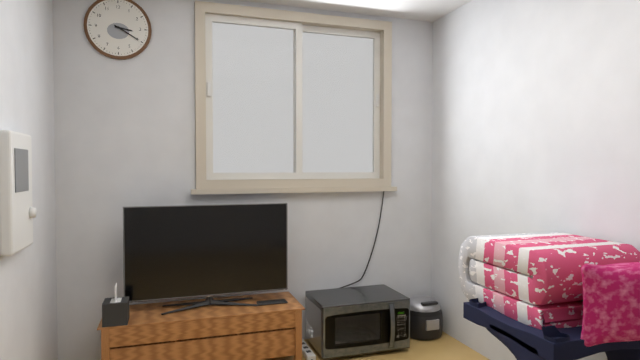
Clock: 3:20
